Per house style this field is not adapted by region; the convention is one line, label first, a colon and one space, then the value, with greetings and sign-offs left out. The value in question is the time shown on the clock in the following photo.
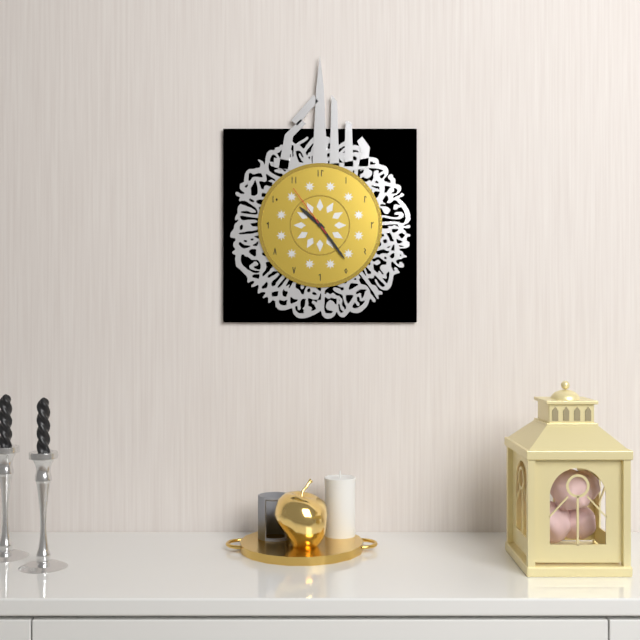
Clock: 10:24:54
